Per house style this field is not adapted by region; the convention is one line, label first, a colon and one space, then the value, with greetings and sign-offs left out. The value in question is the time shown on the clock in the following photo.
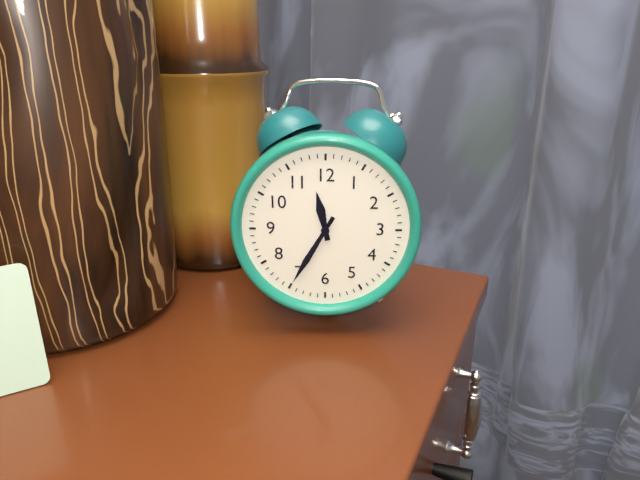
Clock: 11:35
